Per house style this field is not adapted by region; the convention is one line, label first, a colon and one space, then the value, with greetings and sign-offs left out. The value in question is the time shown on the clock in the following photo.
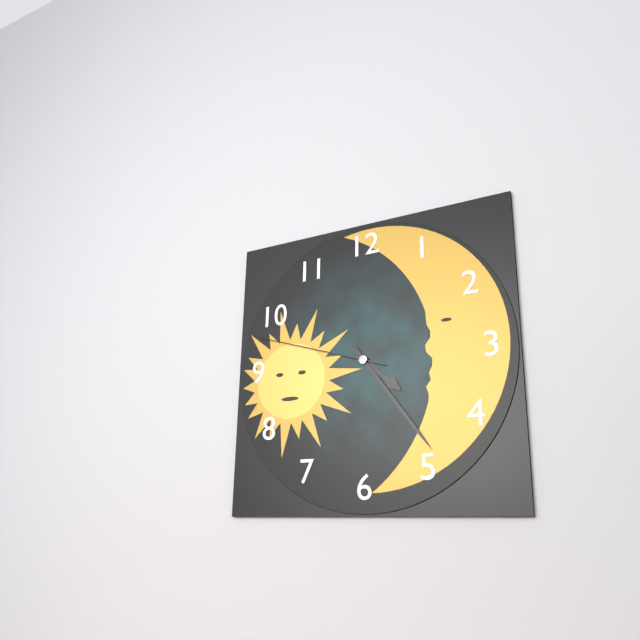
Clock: 4:24:48
